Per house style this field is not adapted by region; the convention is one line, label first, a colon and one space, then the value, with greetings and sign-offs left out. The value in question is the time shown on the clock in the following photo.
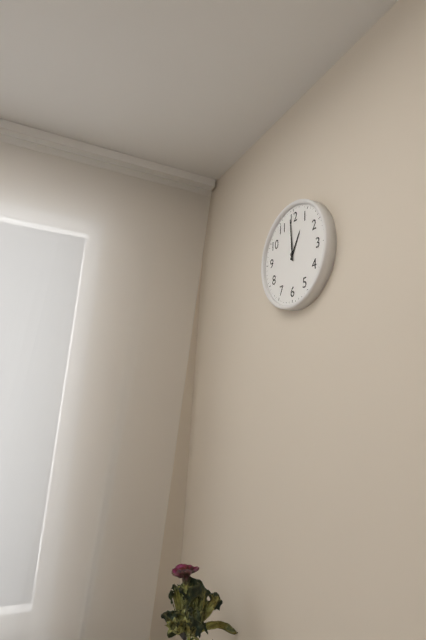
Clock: 12:59
